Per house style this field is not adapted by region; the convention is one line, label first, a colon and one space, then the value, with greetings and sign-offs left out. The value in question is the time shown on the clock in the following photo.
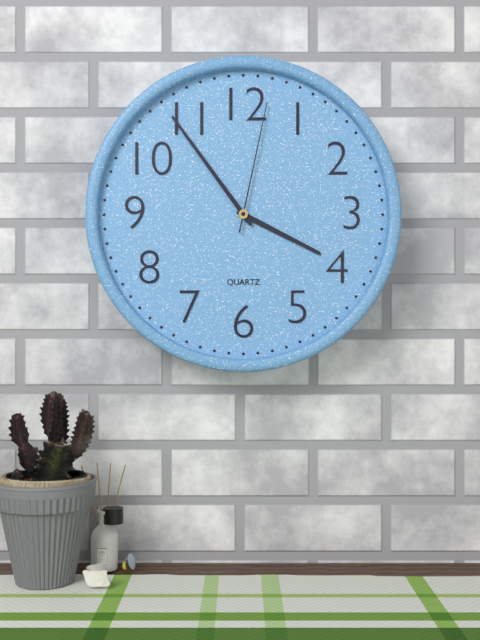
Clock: 3:54:02
